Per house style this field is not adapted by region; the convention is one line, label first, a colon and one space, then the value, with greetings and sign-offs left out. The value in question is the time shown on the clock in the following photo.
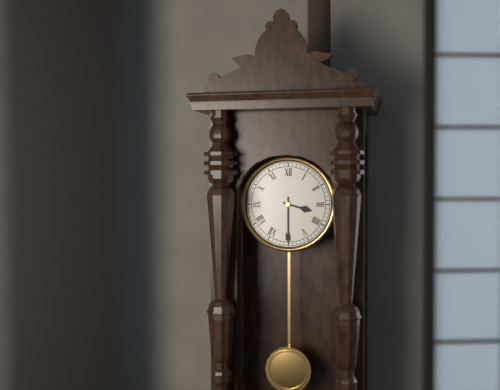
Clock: 3:30
